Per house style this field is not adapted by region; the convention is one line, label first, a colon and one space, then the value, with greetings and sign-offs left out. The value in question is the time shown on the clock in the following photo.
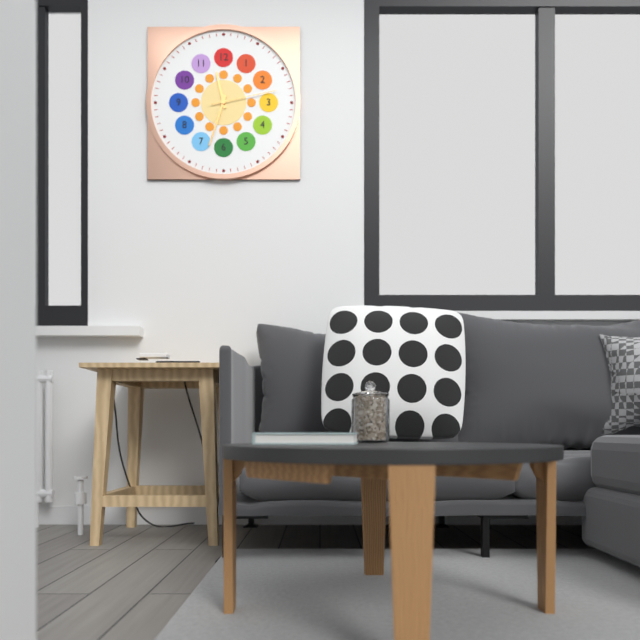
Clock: 11:33:13
